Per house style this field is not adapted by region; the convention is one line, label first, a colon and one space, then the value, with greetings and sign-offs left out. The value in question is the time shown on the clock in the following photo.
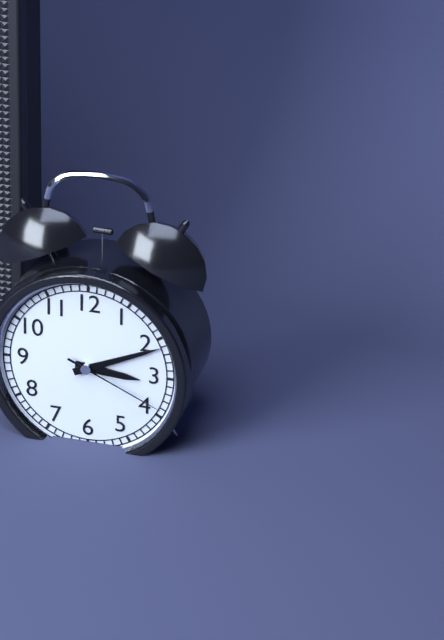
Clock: 3:11:19
